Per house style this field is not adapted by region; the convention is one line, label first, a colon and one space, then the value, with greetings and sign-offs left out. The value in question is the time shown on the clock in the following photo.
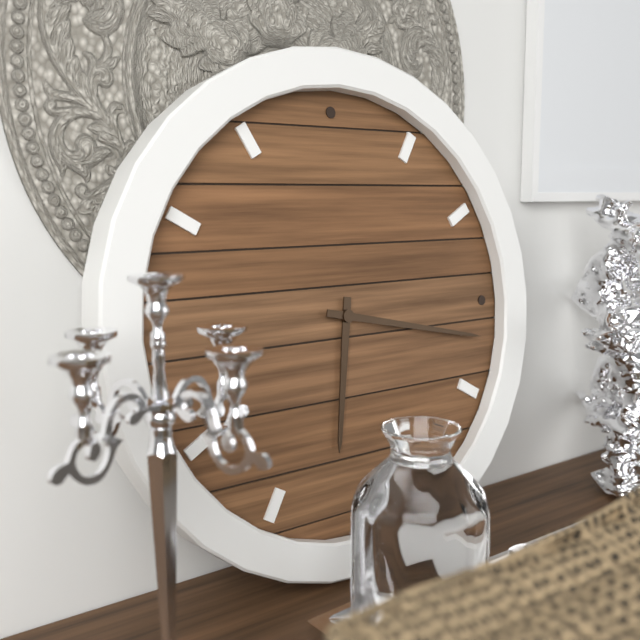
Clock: 6:17
